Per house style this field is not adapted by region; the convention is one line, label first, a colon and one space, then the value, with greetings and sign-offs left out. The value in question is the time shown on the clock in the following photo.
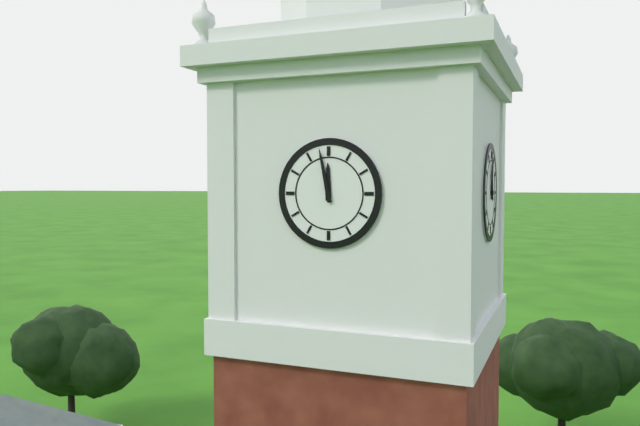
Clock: 11:58
